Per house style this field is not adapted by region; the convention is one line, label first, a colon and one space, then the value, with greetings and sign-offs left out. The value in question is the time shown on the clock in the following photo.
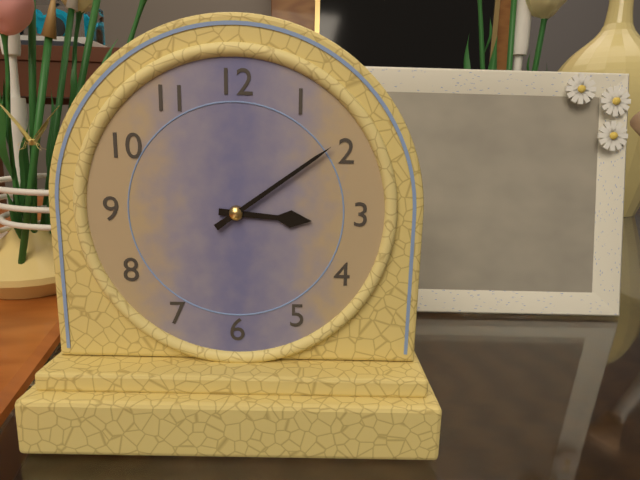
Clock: 3:09
